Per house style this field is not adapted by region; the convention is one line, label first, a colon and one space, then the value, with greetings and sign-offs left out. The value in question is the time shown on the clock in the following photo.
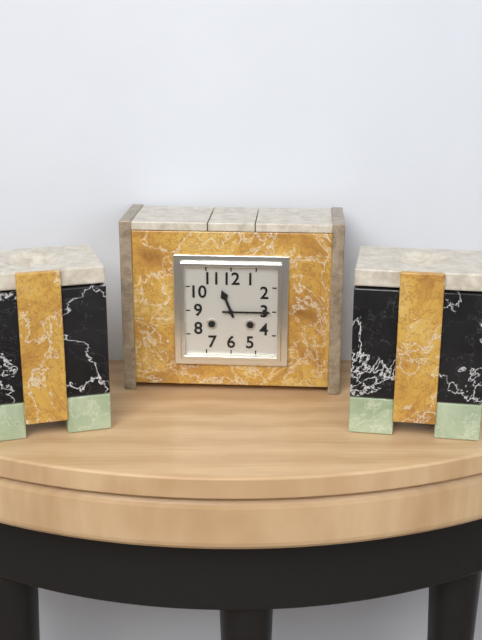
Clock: 11:15
